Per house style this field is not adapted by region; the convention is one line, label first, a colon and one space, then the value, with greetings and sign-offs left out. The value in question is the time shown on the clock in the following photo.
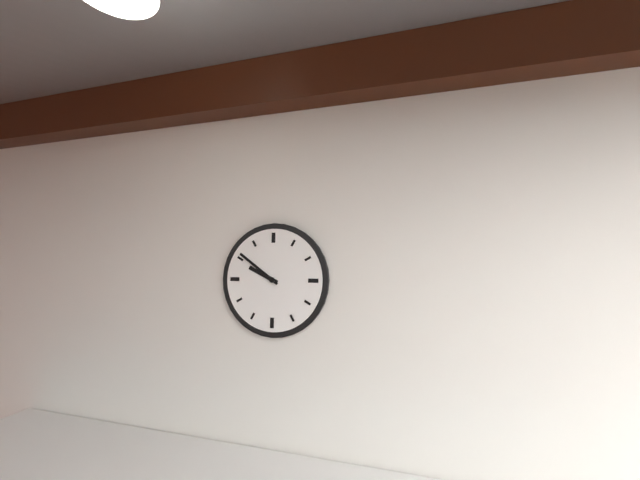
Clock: 9:51
